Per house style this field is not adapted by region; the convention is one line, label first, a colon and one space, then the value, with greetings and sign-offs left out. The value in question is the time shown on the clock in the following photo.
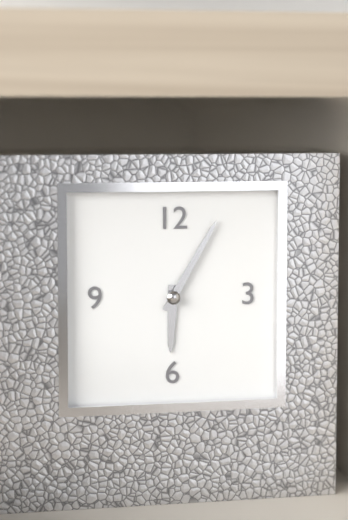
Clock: 6:05
